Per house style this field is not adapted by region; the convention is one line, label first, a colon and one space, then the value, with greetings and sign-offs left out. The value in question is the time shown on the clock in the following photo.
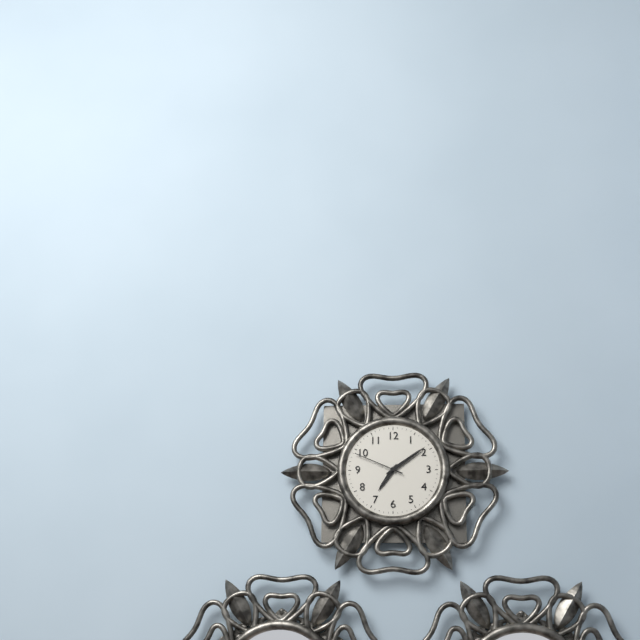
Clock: 7:09:49
